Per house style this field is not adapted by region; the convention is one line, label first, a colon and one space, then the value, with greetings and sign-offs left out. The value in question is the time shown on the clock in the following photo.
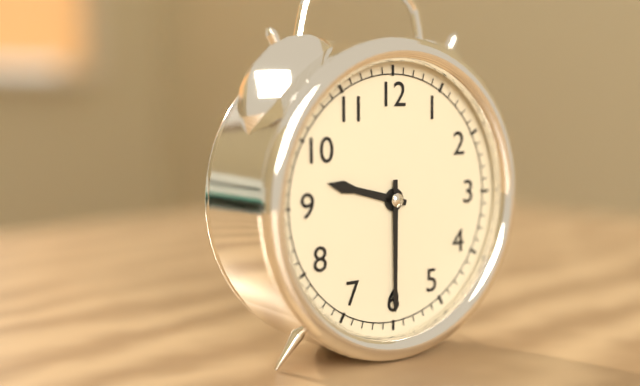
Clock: 9:30
